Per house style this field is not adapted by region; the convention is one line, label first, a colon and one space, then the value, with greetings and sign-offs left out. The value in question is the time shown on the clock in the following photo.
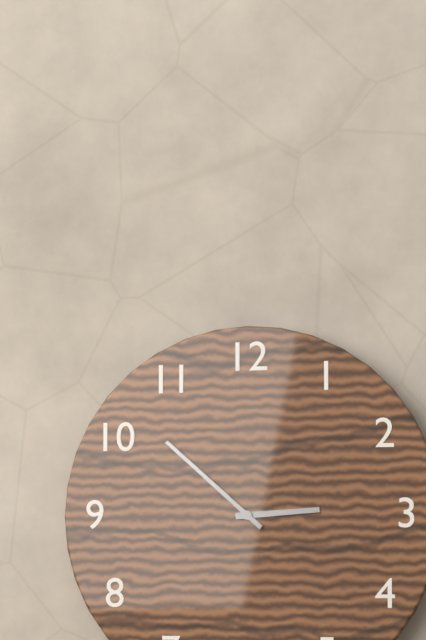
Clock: 2:52
